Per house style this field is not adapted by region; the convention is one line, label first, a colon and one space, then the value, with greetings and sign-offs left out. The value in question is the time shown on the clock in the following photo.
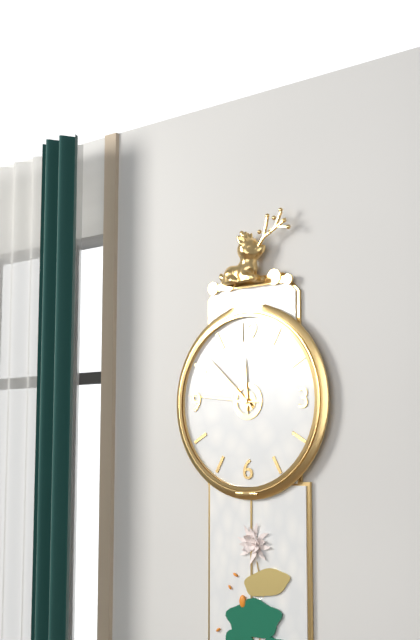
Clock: 11:52:46
